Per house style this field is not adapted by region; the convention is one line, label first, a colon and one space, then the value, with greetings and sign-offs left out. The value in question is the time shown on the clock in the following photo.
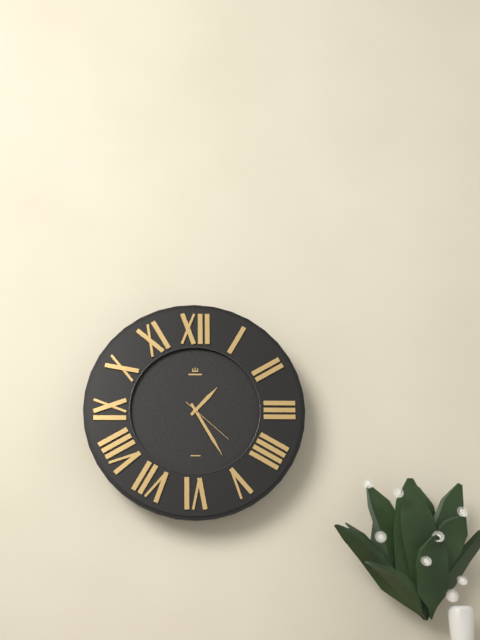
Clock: 1:25:22
